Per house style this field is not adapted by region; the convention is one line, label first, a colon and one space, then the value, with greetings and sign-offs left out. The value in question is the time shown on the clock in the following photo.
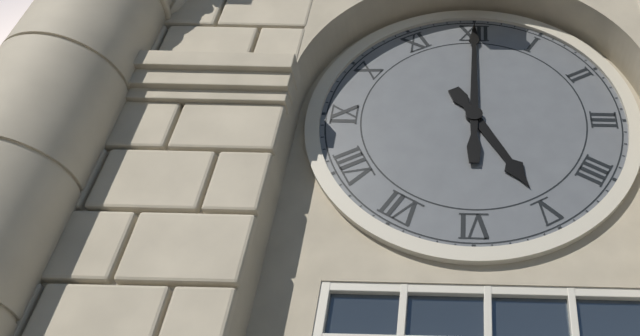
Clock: 5:00
